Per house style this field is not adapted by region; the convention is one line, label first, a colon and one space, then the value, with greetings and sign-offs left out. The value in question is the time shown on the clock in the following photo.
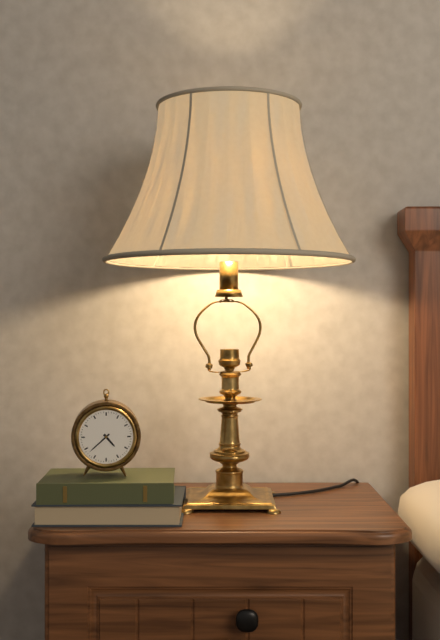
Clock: 4:38
